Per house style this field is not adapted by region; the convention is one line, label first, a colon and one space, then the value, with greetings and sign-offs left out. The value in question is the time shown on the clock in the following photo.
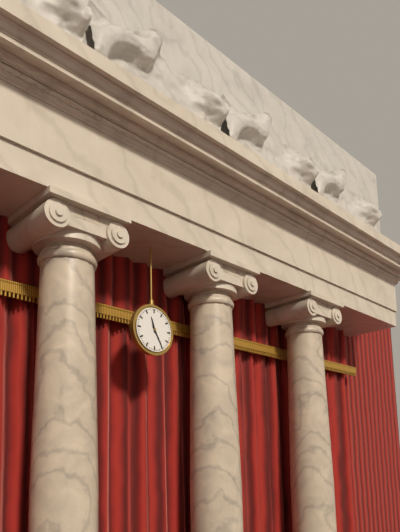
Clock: 11:25
